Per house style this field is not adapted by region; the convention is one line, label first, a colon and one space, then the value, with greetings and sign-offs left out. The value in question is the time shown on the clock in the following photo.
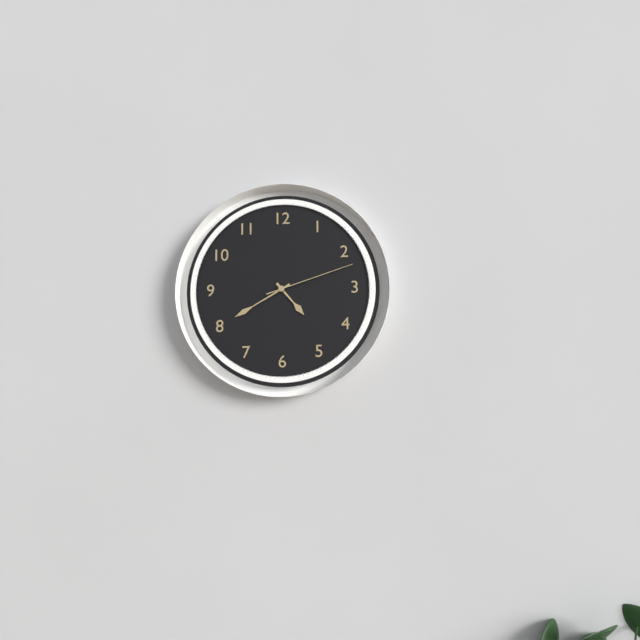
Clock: 4:40:12
